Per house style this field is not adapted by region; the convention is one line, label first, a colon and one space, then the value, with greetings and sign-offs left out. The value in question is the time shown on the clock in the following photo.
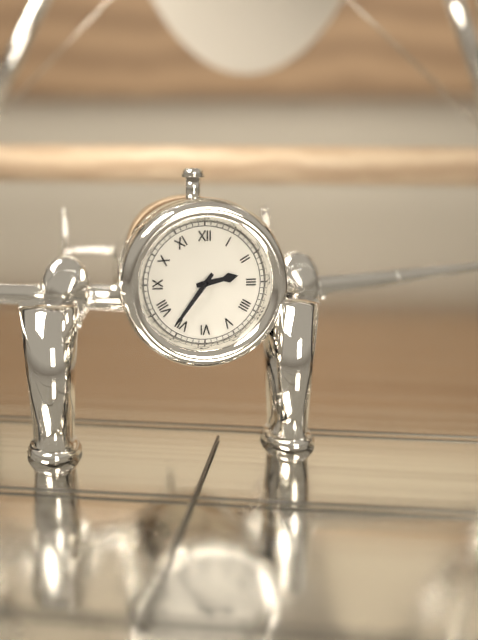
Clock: 2:36
